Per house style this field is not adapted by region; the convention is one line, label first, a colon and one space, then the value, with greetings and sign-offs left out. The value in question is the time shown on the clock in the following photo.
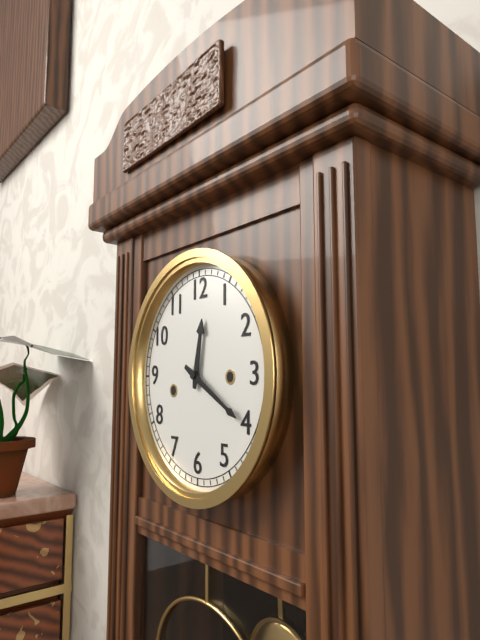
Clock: 12:20
